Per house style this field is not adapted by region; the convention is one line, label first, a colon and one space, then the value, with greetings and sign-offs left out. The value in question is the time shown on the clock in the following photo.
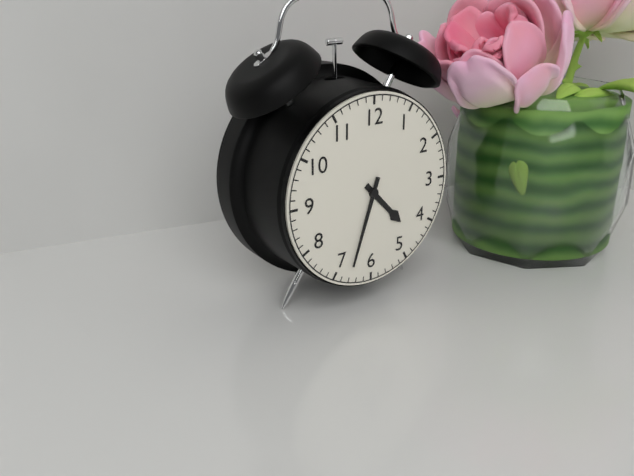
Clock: 4:33
